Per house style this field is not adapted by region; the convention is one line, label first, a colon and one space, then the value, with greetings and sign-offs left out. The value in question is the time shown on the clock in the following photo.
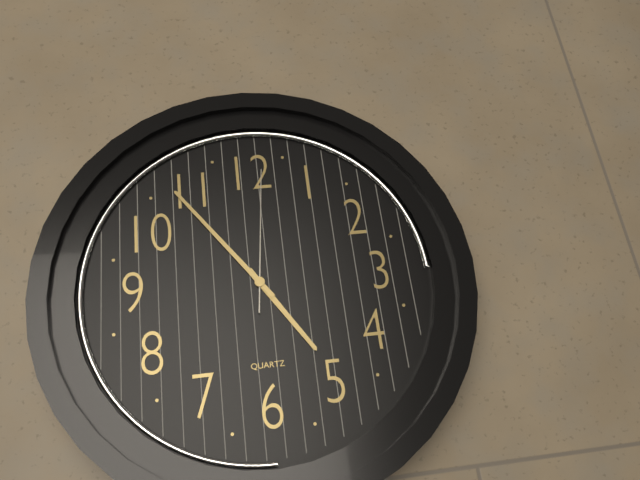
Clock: 4:54:01
